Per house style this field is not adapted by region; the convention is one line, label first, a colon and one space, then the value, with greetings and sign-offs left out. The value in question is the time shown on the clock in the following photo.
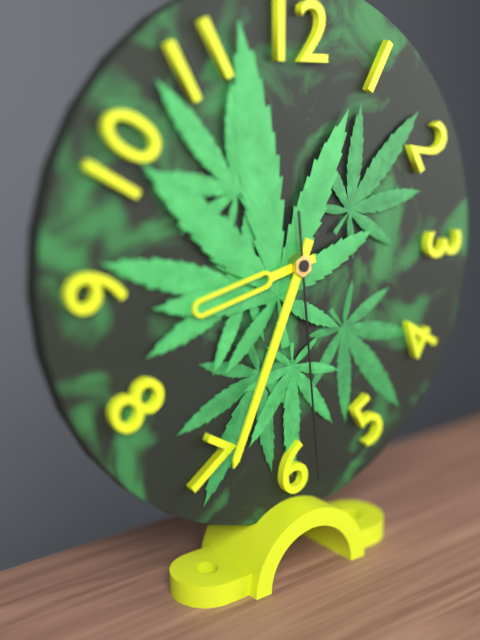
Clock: 8:34:29
